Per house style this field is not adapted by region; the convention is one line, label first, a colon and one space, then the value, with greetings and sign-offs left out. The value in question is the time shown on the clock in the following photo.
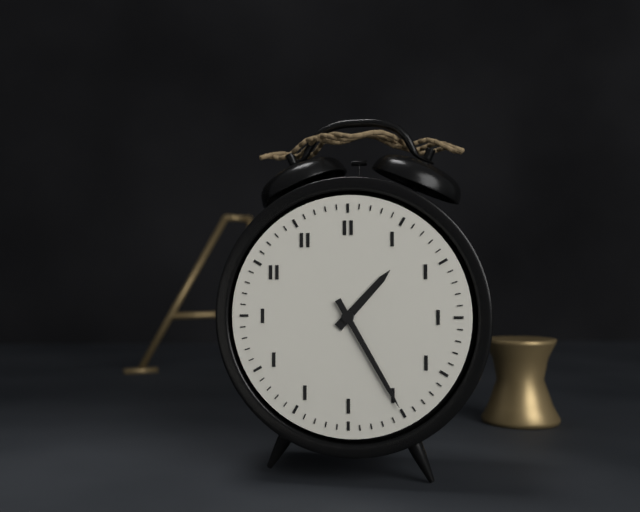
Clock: 1:25
